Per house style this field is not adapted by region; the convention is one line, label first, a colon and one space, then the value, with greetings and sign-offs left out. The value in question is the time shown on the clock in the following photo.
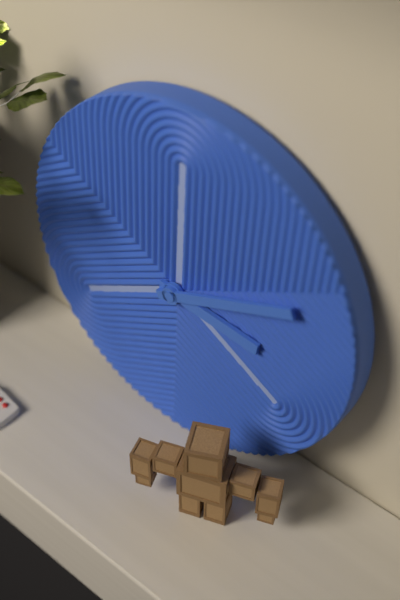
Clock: 3:11
